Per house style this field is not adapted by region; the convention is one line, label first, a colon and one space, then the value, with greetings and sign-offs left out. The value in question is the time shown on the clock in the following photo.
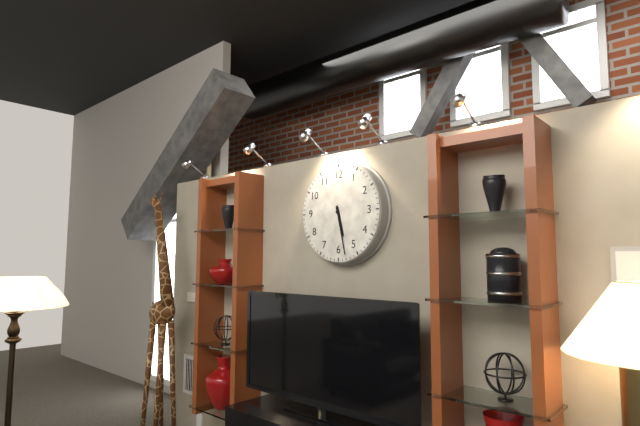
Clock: 5:28
